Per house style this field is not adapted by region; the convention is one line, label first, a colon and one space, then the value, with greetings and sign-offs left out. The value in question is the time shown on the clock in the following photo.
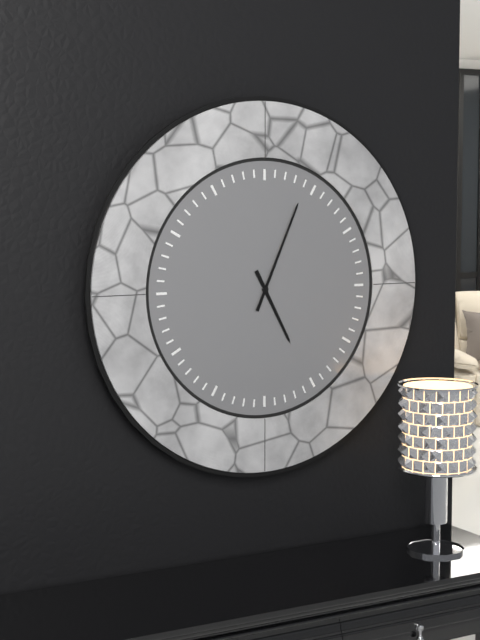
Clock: 5:04
